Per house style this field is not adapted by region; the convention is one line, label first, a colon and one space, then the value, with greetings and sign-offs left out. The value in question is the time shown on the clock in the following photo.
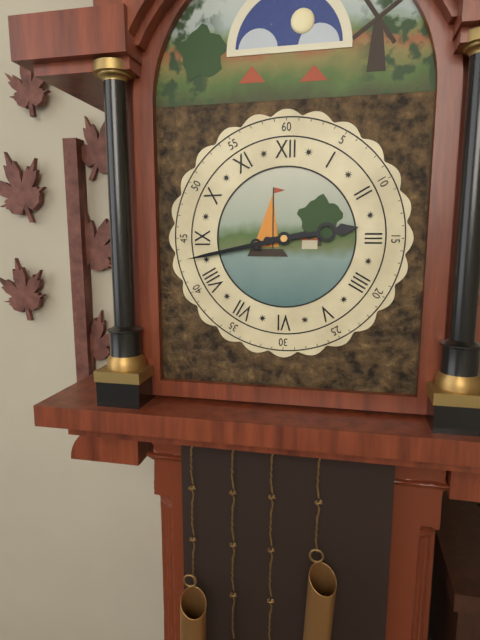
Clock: 2:43
